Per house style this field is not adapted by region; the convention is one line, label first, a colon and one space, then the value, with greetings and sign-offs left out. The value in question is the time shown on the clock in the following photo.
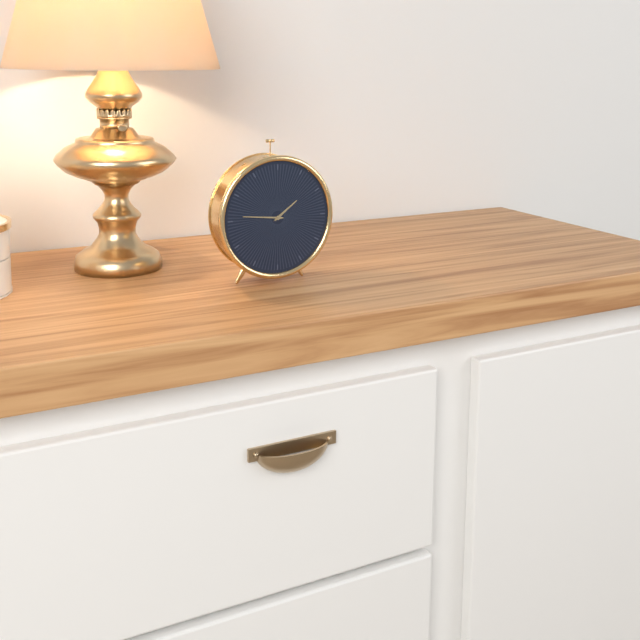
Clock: 1:46
